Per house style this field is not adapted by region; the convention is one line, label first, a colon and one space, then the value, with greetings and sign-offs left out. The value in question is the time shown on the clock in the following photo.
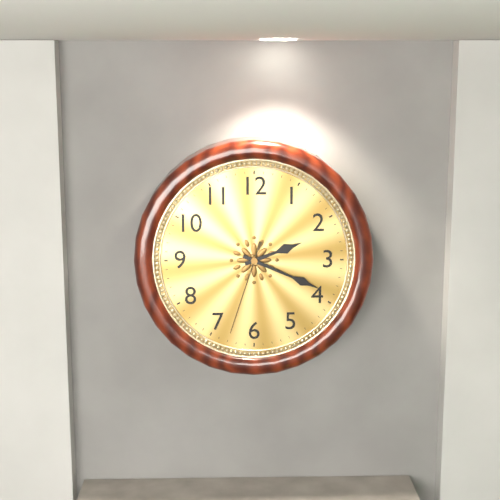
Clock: 2:19:33
